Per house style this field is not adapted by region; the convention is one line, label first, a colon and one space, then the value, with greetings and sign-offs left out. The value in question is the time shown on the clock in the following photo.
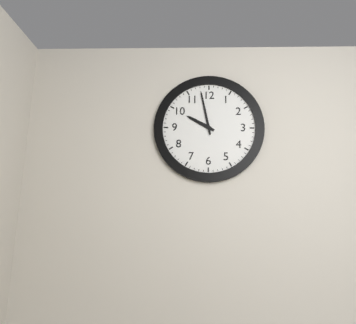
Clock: 9:58
